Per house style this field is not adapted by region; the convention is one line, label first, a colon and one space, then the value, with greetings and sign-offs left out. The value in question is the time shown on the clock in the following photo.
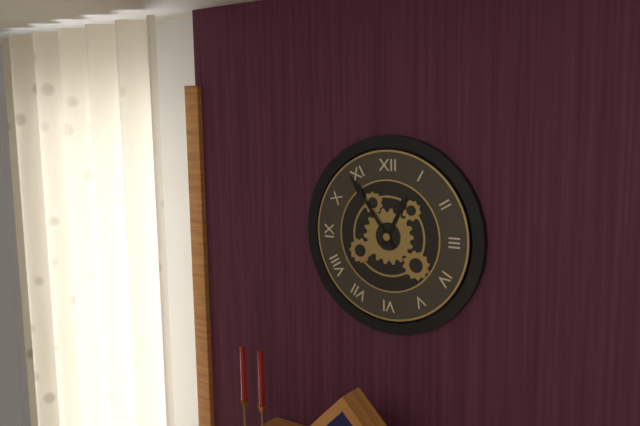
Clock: 12:54
